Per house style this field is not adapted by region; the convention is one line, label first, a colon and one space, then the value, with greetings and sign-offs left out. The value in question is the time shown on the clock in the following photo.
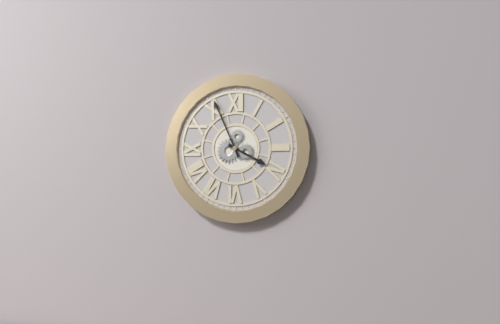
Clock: 3:56
